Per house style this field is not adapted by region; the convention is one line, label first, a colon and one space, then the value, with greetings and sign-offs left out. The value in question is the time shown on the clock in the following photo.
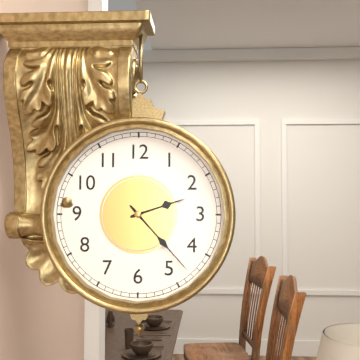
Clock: 2:23
